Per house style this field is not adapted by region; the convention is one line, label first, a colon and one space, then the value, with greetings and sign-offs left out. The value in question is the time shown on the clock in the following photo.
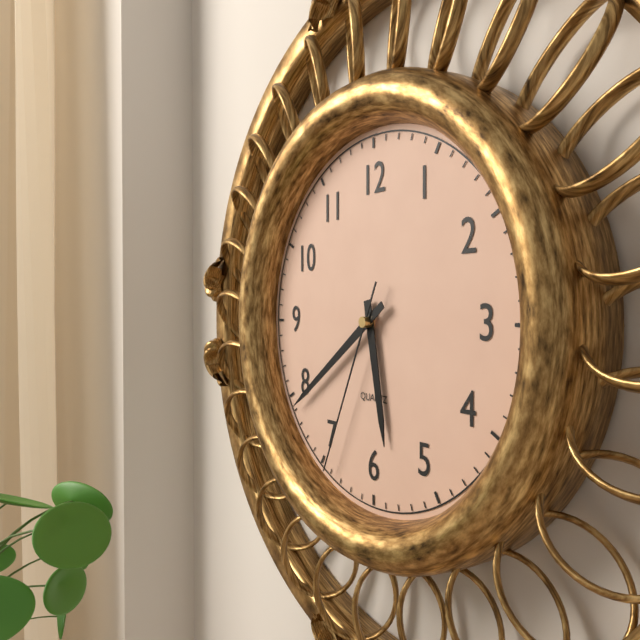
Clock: 5:39:34
